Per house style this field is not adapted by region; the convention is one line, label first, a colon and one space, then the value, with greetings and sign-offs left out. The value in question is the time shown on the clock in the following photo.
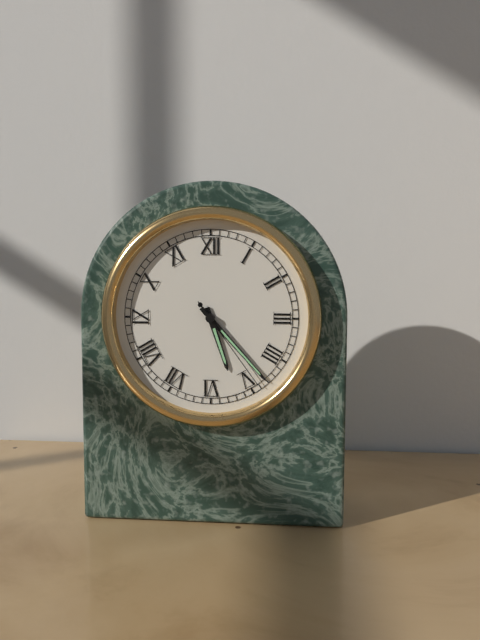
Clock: 5:23:24
